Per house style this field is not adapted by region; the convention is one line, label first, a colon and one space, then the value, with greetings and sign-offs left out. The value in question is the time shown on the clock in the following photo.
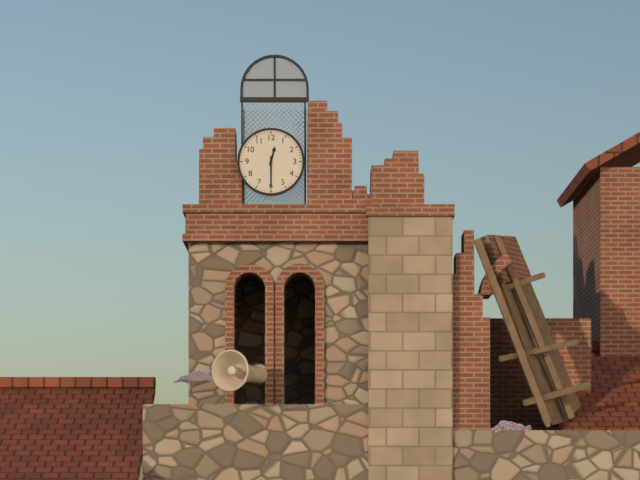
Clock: 12:30
